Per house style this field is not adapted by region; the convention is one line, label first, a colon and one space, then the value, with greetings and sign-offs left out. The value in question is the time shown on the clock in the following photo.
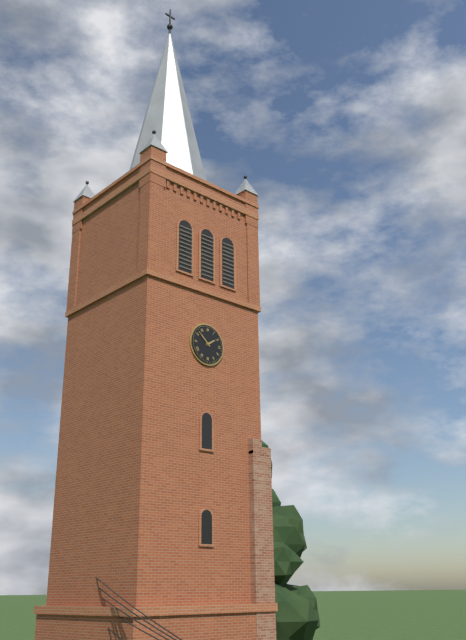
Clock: 1:52
